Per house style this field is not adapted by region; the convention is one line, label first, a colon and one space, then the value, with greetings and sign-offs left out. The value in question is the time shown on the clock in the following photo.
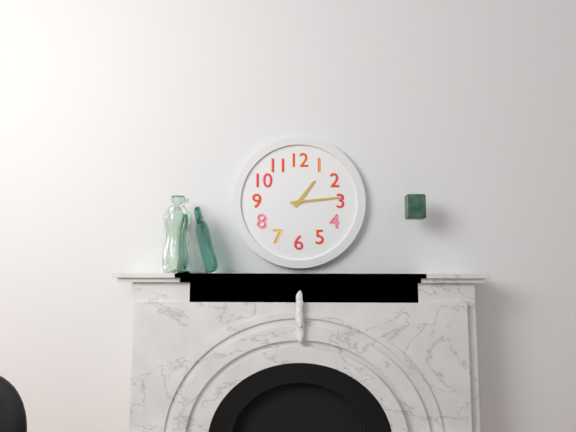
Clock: 1:14
